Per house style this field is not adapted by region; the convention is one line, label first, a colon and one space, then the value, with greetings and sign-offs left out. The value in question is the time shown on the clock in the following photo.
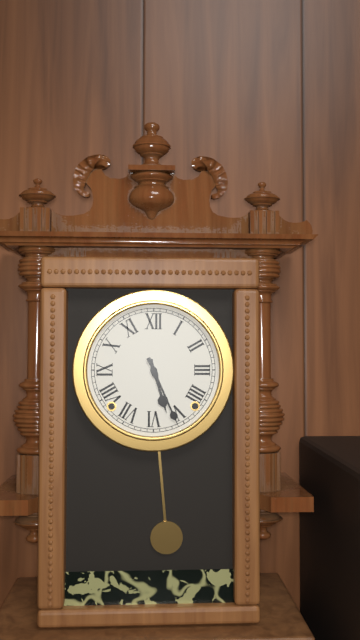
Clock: 5:26
